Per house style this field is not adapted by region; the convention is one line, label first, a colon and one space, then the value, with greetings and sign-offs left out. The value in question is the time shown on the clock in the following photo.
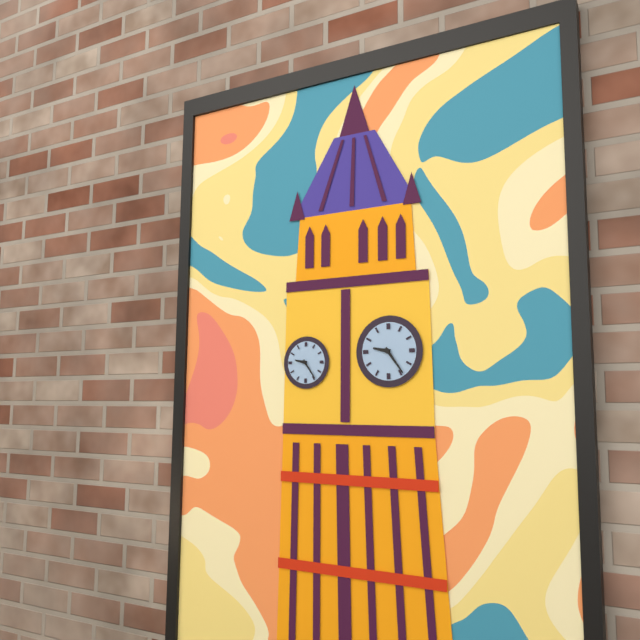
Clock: 9:24
